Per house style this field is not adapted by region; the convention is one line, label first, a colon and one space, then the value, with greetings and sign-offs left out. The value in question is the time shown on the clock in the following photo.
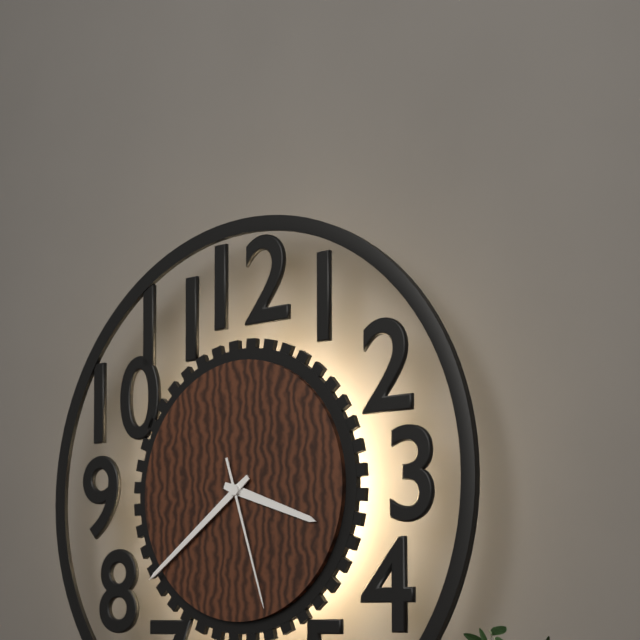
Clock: 3:39:27
